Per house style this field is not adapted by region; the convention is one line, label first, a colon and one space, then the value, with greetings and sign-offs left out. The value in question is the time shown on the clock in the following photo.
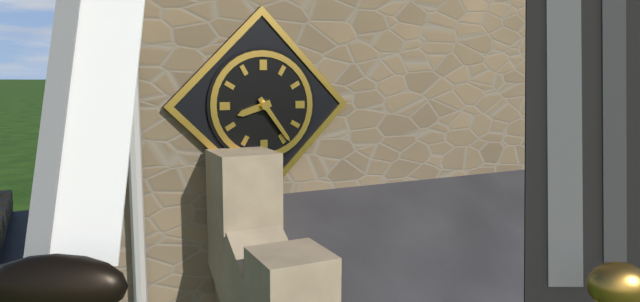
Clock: 8:24
